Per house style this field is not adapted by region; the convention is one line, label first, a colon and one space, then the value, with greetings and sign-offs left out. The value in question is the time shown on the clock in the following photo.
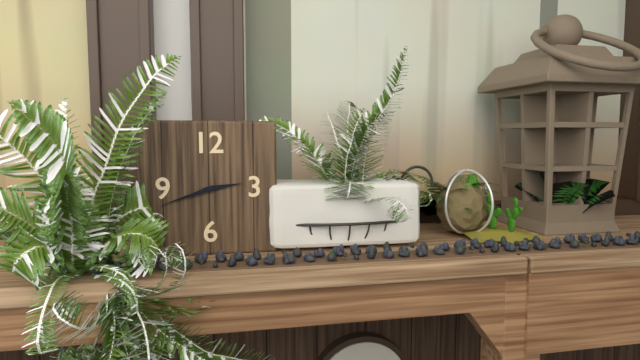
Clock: 2:42
